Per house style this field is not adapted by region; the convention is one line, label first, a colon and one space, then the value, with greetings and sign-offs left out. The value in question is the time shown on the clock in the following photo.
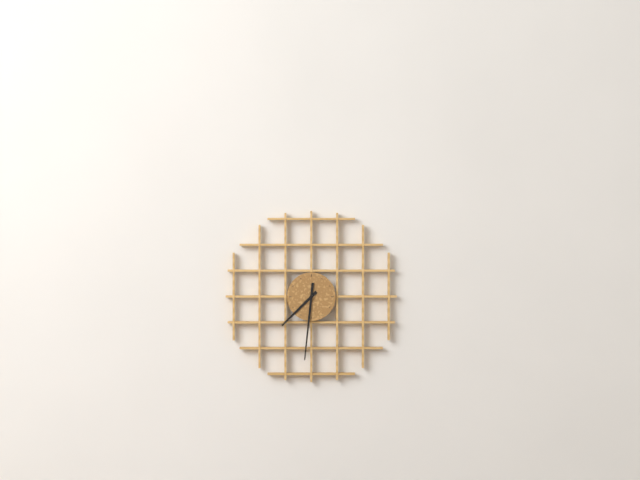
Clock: 7:31
